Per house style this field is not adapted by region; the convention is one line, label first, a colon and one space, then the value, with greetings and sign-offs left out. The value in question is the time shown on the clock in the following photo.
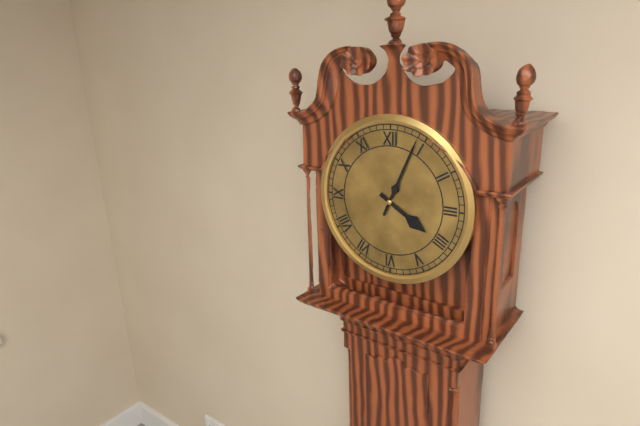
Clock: 4:04
